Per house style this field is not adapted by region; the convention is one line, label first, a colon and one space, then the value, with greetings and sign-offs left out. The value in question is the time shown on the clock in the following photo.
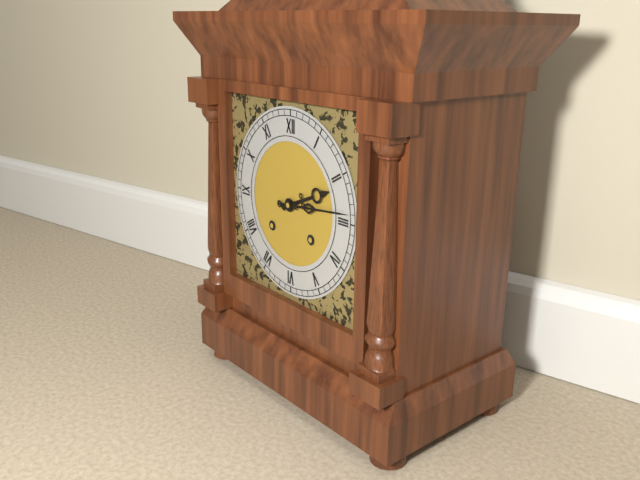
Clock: 2:14
